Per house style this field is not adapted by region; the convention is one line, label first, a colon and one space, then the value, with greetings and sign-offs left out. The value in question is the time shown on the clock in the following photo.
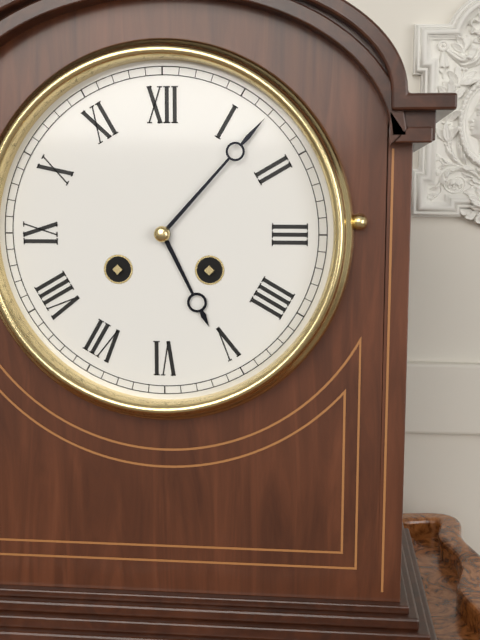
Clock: 5:07
